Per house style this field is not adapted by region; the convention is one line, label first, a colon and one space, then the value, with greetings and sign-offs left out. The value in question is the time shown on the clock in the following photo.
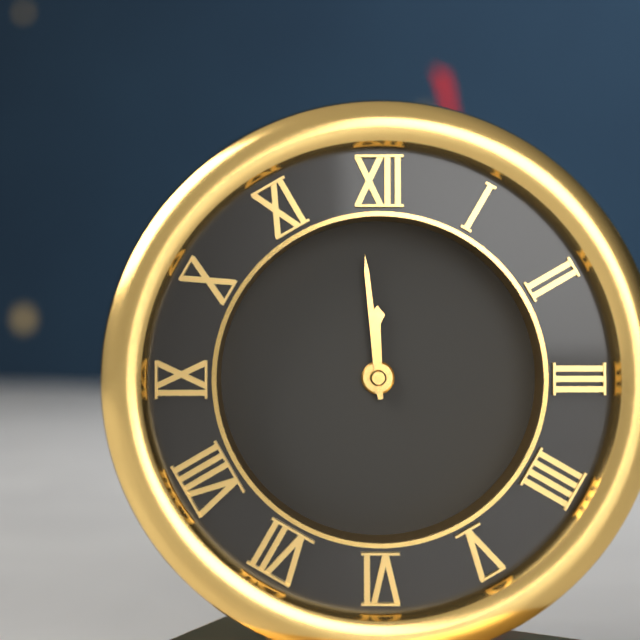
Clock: 11:59
